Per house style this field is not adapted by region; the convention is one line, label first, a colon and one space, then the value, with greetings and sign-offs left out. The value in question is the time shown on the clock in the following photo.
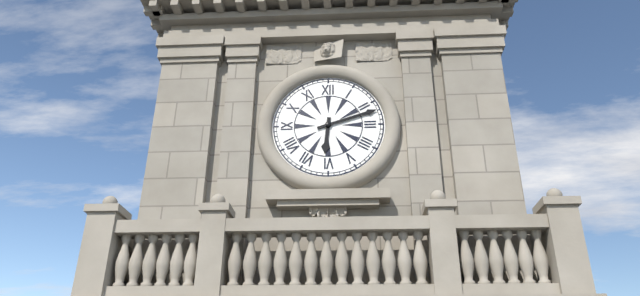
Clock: 6:12
